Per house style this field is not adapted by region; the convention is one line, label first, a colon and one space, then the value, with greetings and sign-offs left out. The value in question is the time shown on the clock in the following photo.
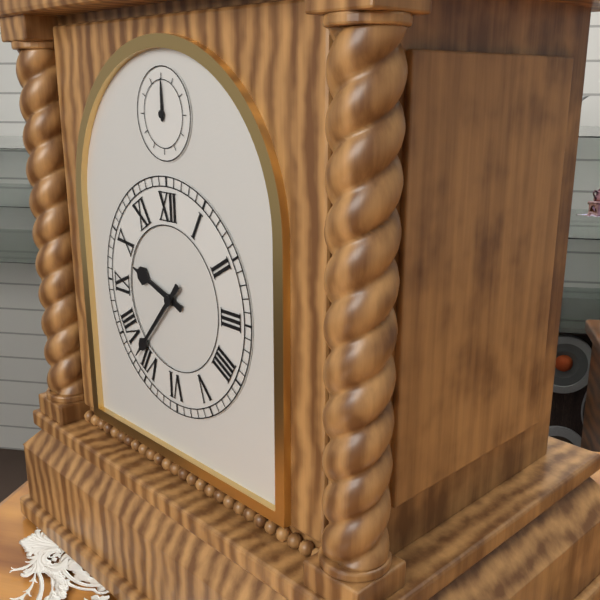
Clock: 9:37
